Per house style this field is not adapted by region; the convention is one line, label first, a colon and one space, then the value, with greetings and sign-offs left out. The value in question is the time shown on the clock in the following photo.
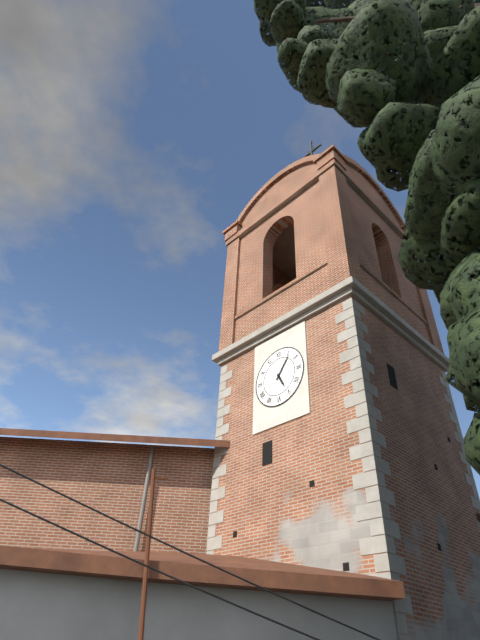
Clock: 5:06
